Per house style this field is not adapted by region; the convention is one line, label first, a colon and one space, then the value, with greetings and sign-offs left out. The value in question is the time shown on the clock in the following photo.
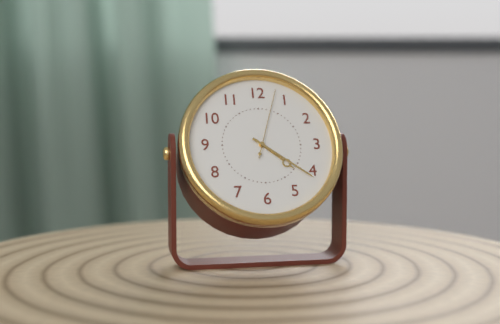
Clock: 4:21:03
